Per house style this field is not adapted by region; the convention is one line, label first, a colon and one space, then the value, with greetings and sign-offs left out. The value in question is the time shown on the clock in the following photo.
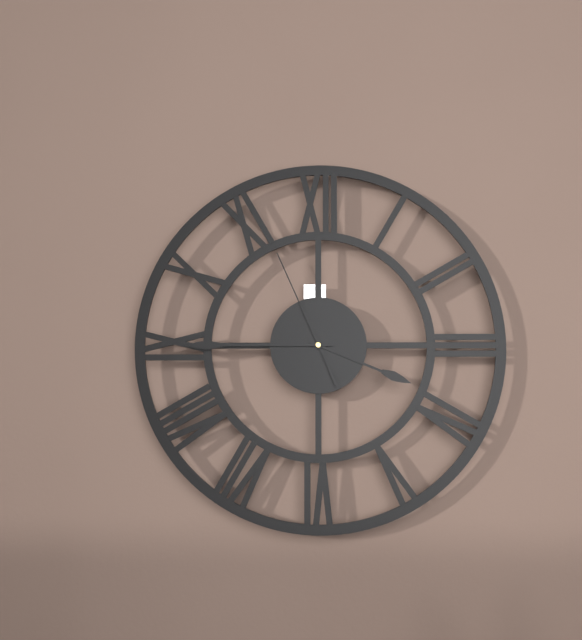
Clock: 3:45:56
